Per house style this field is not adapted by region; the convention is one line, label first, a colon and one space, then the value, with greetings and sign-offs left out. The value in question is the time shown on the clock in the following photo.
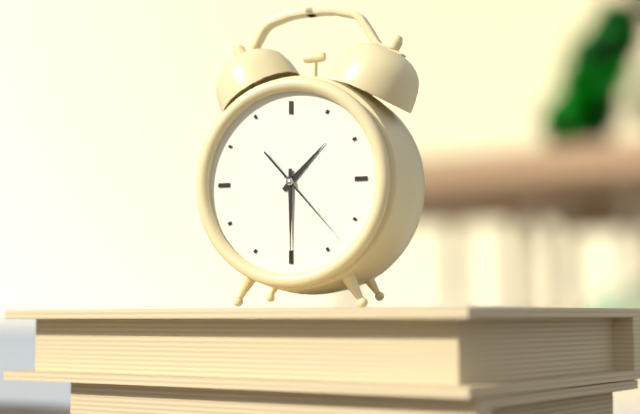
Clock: 1:30:23
